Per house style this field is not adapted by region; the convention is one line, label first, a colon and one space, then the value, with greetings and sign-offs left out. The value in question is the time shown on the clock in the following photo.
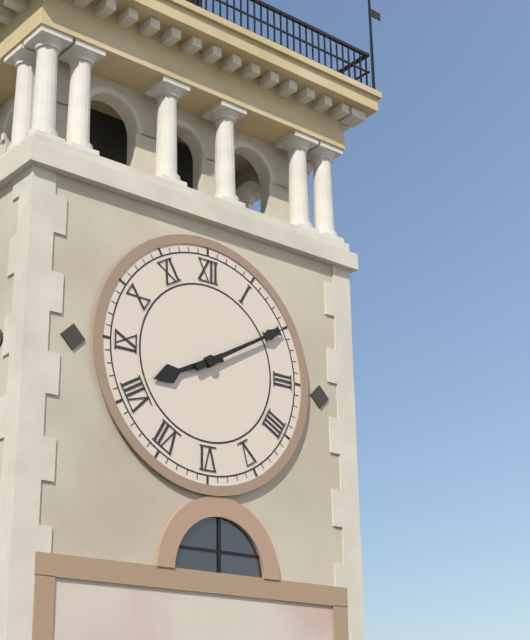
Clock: 8:10
